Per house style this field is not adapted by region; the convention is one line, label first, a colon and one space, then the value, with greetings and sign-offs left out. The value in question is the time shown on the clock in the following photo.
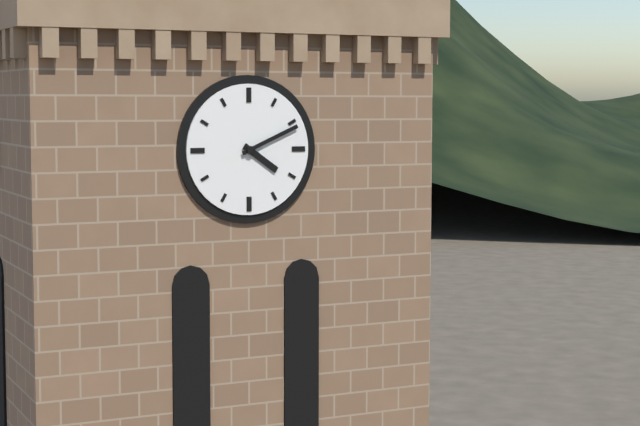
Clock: 4:11
